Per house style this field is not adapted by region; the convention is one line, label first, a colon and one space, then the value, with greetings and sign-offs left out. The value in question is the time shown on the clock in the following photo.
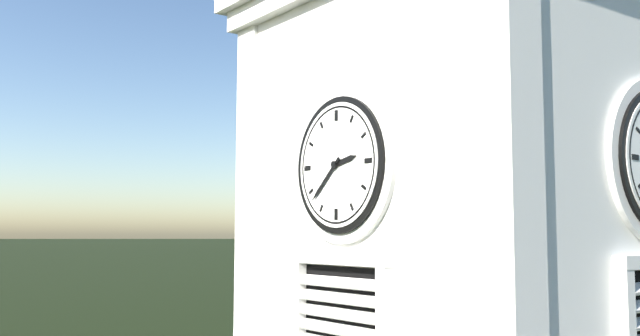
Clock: 2:38
